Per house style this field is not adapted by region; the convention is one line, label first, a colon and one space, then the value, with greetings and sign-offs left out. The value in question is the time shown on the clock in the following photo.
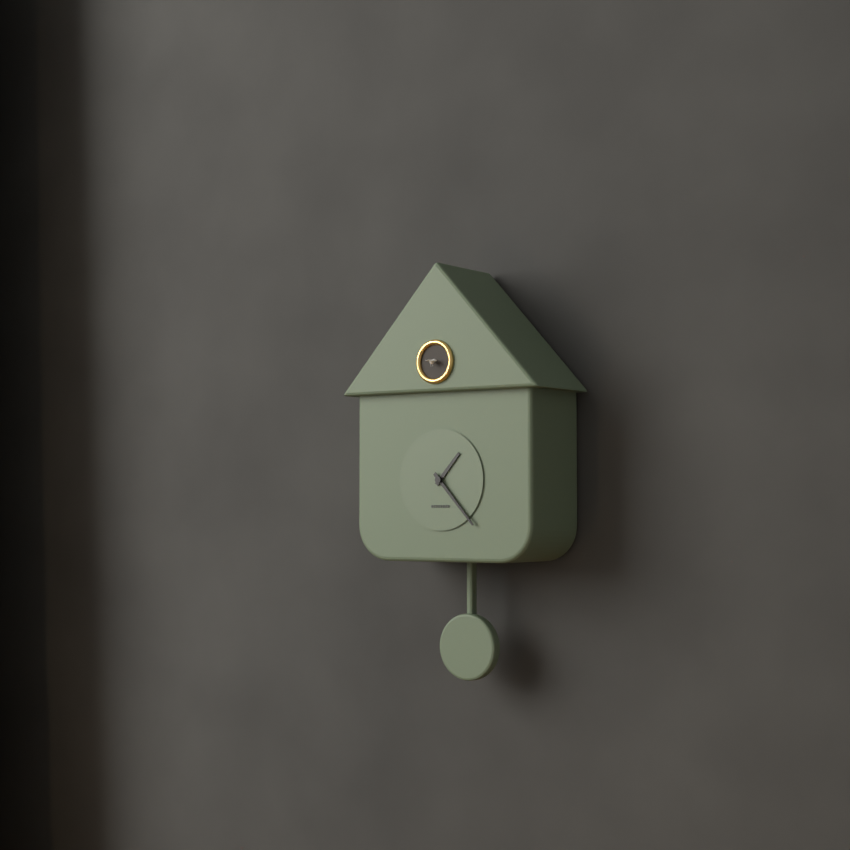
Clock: 1:23
